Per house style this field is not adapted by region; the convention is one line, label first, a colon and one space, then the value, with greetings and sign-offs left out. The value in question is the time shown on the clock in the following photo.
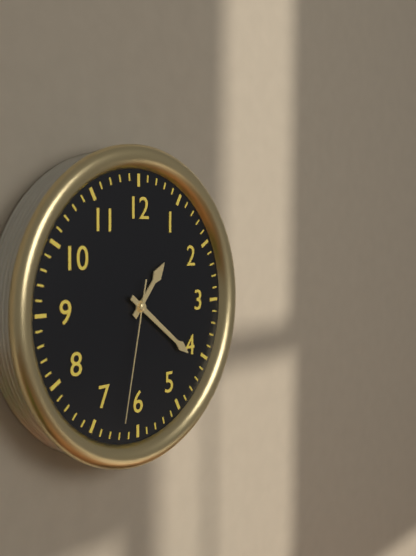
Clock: 1:21:32
